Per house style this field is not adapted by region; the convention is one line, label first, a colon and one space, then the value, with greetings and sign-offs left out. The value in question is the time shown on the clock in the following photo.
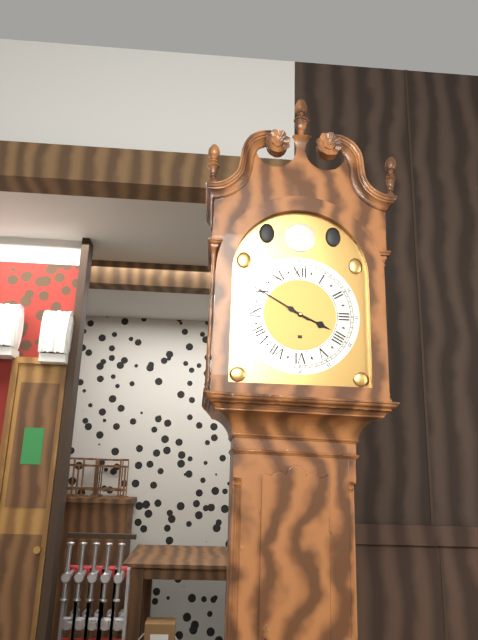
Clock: 3:50
